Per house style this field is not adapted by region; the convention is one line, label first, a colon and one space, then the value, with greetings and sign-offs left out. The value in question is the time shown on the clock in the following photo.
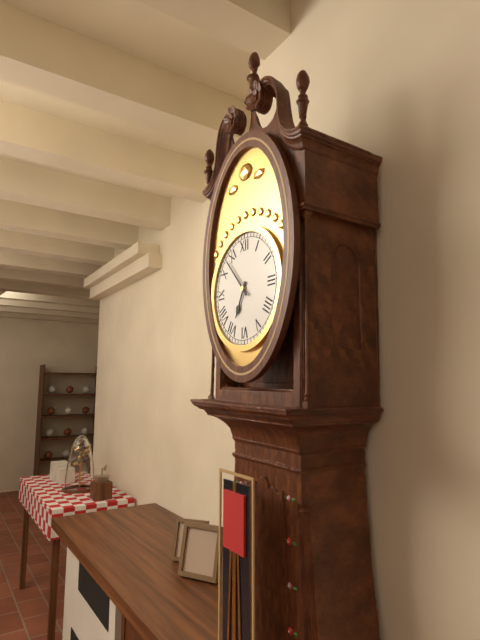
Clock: 6:53
